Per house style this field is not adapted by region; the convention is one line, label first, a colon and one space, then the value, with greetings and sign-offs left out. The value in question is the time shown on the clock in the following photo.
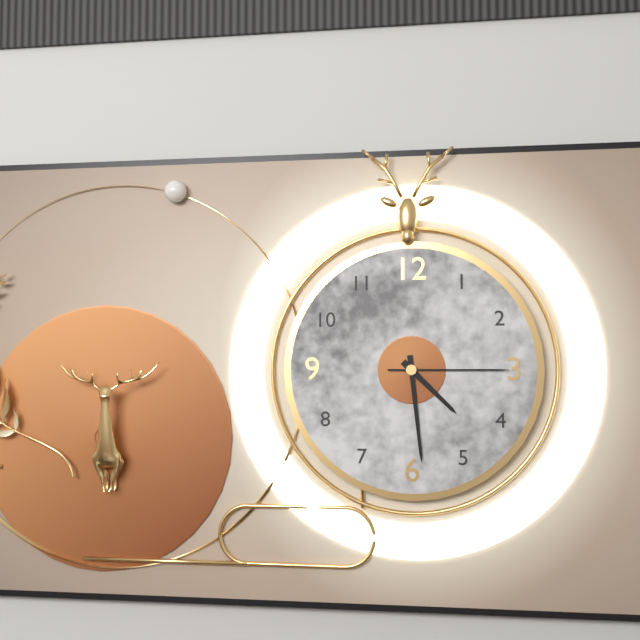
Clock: 4:29:15
